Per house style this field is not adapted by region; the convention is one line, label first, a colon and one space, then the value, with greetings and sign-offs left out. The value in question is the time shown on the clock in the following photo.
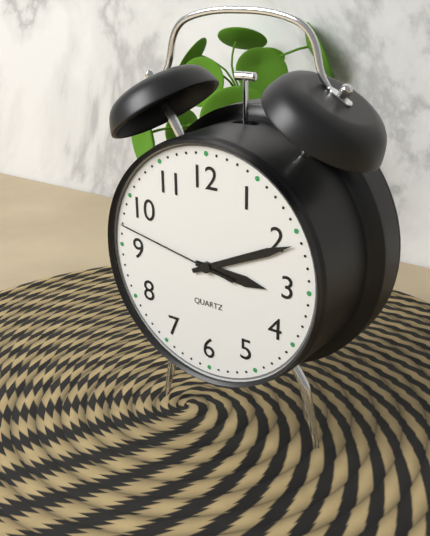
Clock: 3:11:47
